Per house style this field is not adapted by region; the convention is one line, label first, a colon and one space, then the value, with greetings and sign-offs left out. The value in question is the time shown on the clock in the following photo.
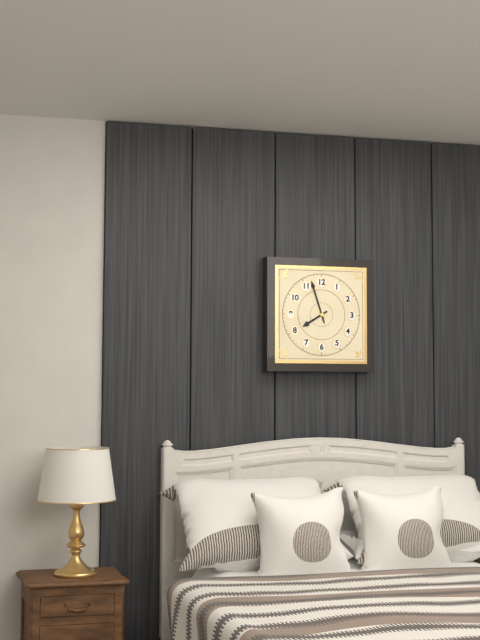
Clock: 7:57
